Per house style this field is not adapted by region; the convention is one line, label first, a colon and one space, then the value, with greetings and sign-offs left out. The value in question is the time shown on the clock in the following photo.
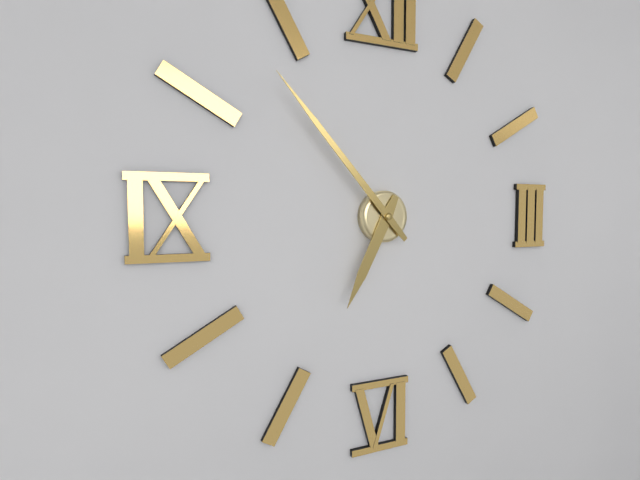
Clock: 6:53
